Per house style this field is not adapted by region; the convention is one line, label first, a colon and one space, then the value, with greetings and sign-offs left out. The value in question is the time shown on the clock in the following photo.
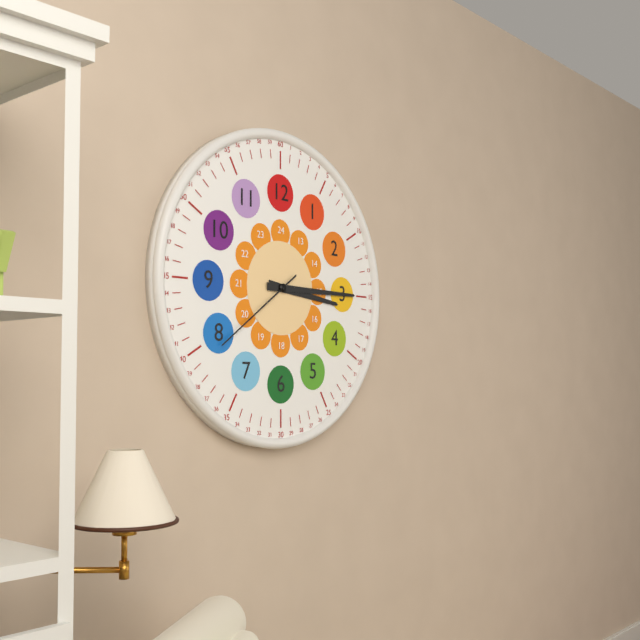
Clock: 3:15:39
